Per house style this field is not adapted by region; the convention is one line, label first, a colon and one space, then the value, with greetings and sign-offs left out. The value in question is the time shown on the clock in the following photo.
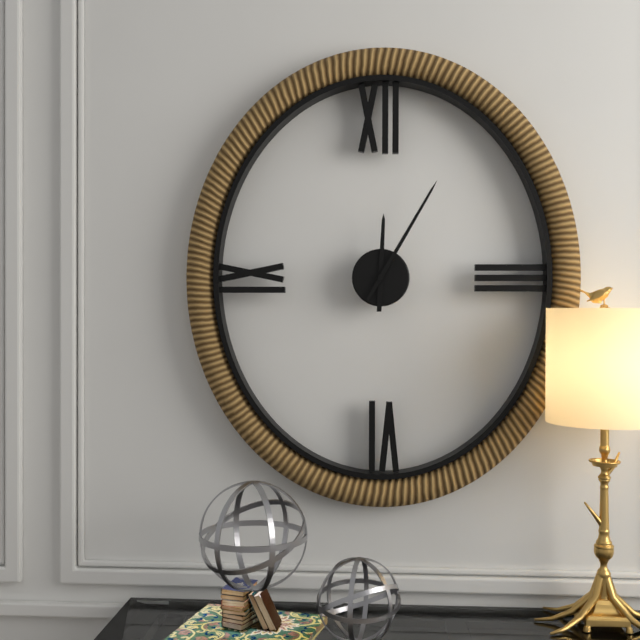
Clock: 12:05
